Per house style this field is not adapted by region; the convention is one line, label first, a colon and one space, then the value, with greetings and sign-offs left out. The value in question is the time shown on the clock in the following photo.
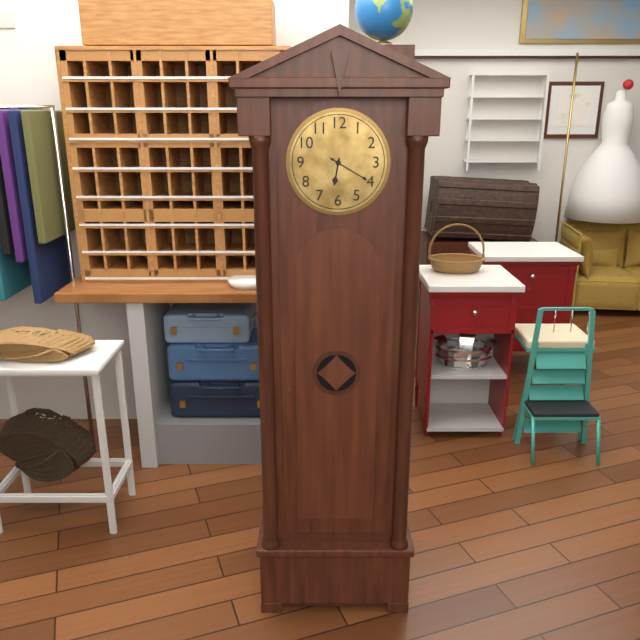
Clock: 6:20
